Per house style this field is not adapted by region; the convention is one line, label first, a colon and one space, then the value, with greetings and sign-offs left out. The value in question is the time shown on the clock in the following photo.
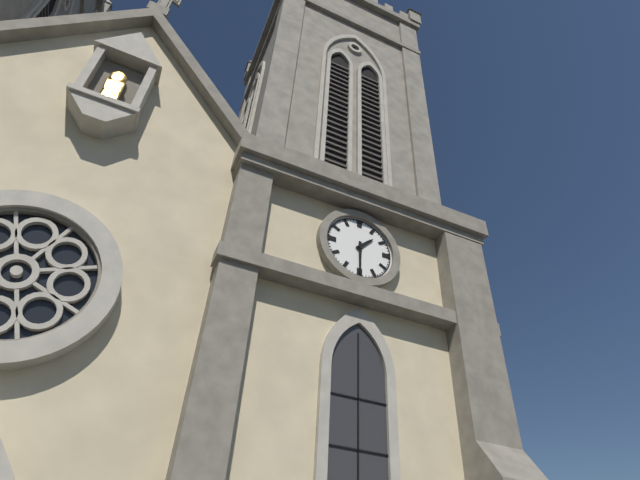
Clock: 1:30
